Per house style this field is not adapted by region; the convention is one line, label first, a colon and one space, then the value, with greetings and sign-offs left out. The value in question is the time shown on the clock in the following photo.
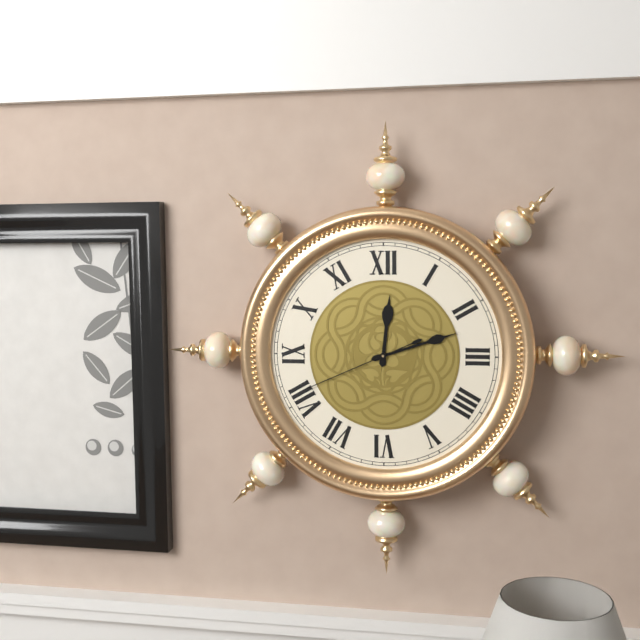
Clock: 12:12:41
